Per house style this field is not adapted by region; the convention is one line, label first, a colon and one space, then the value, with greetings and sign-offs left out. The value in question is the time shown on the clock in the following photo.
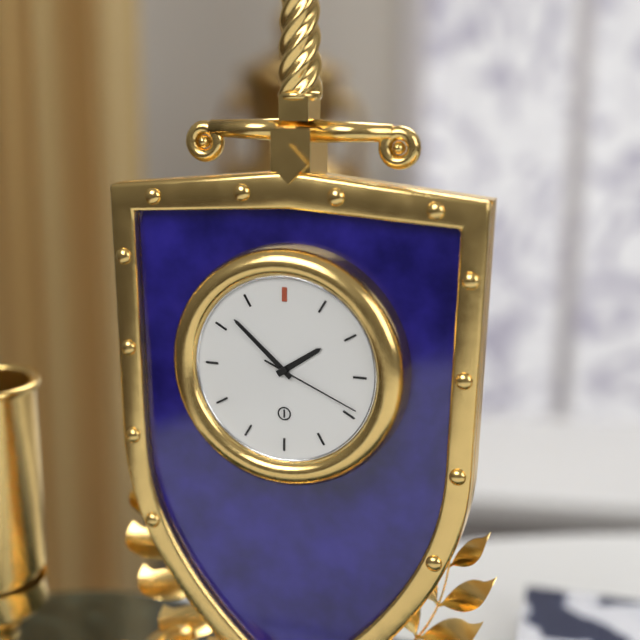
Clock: 1:52:19
